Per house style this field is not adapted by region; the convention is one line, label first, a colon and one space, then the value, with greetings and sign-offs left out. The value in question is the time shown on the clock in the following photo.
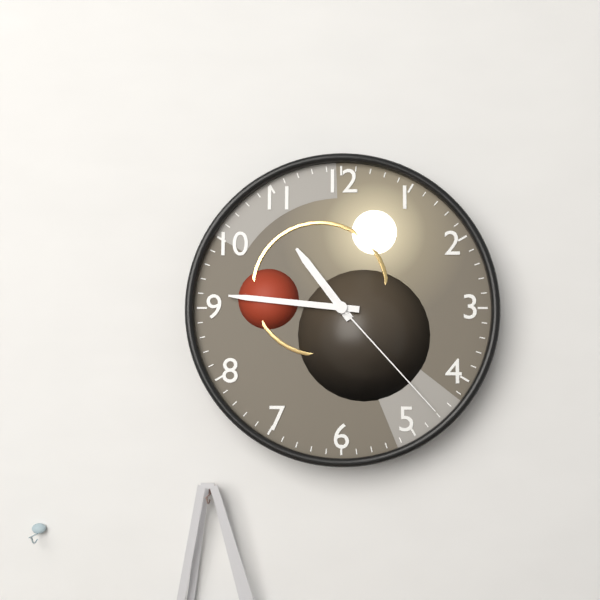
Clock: 10:46:23
